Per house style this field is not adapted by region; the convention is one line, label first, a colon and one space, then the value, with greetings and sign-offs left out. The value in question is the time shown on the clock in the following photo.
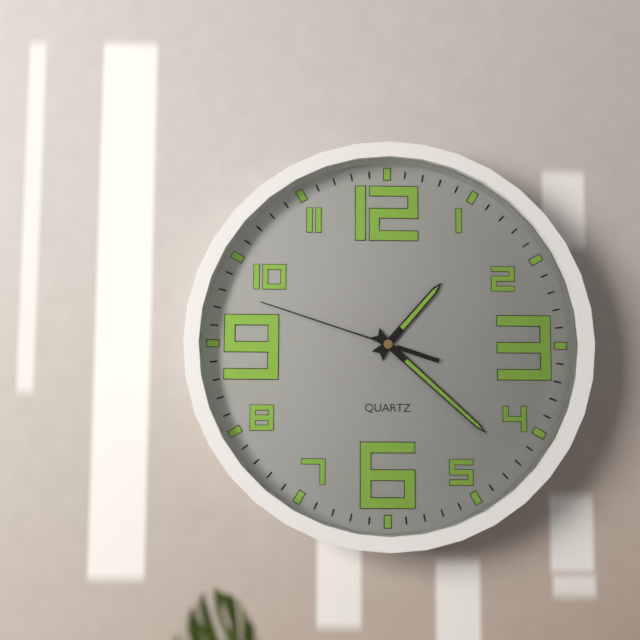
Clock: 1:22:48
